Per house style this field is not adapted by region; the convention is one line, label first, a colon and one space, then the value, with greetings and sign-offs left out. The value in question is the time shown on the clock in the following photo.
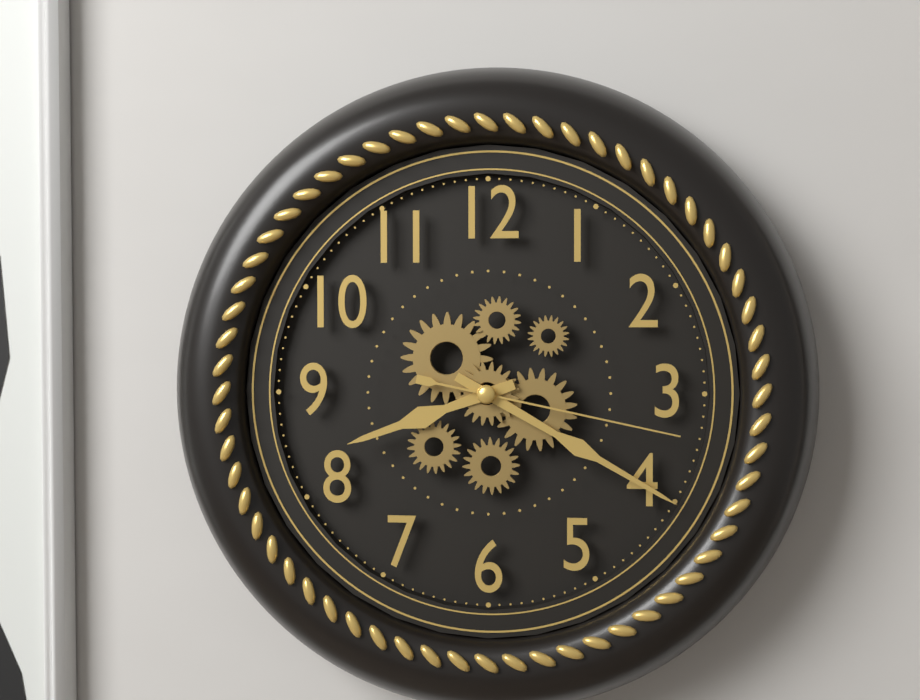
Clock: 8:20:17
